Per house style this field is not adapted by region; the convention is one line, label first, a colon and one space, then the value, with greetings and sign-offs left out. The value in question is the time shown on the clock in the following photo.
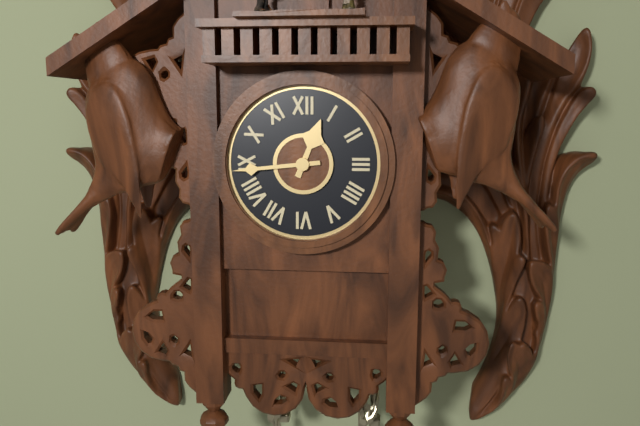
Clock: 12:44
